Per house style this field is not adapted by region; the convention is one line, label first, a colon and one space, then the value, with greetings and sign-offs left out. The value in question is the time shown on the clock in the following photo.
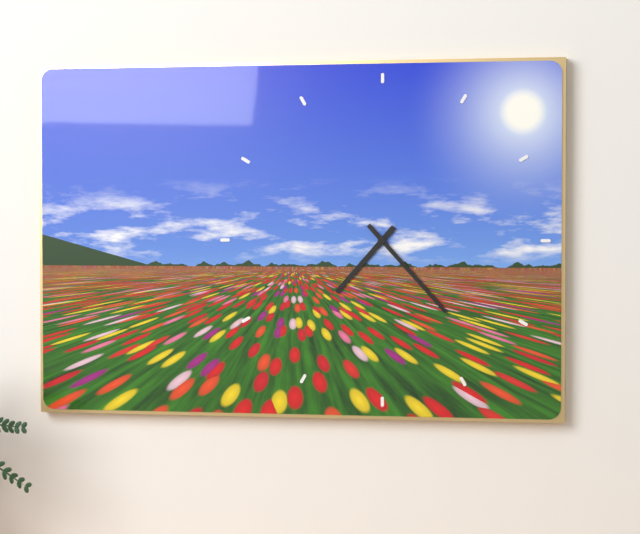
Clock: 7:23
